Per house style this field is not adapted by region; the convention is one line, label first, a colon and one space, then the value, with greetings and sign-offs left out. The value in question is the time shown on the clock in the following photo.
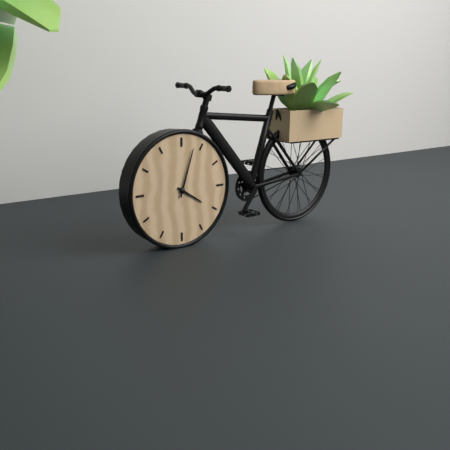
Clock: 4:03
